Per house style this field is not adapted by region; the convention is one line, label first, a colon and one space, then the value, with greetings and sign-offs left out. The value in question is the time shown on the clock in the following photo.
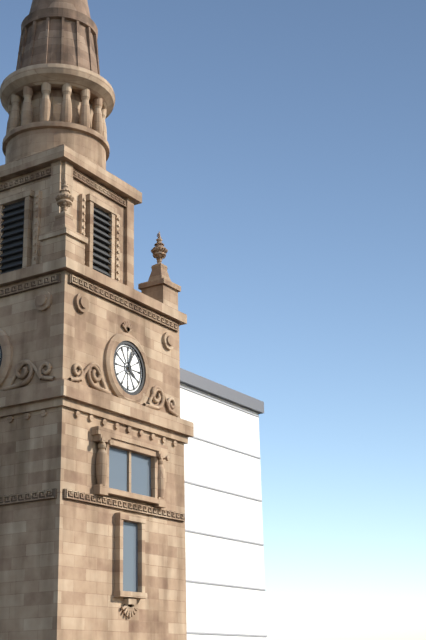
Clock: 4:03
